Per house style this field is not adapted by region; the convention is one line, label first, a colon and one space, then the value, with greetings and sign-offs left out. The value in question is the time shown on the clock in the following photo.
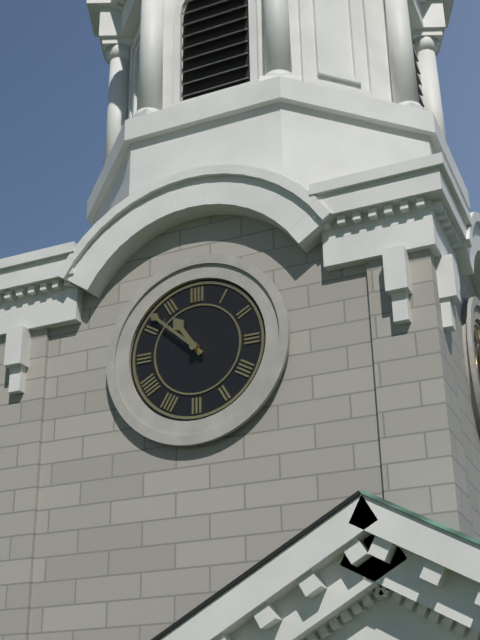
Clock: 10:52
